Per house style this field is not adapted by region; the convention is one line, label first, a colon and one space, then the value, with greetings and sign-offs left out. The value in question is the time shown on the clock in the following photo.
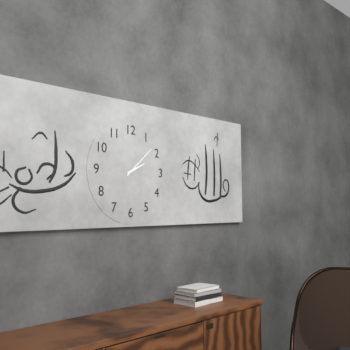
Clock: 2:08
